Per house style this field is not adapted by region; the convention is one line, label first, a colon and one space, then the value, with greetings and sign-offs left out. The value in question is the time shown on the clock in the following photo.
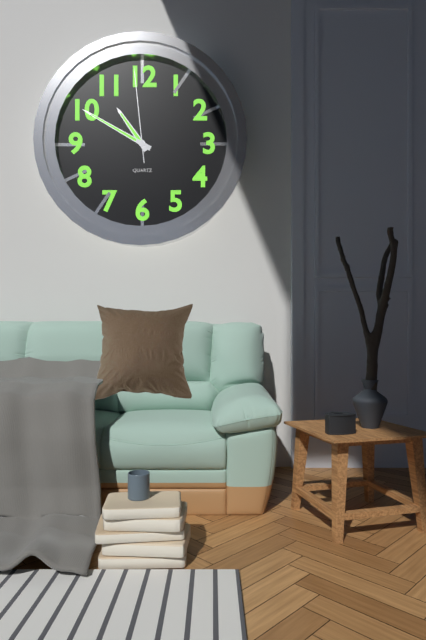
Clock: 10:50:59
